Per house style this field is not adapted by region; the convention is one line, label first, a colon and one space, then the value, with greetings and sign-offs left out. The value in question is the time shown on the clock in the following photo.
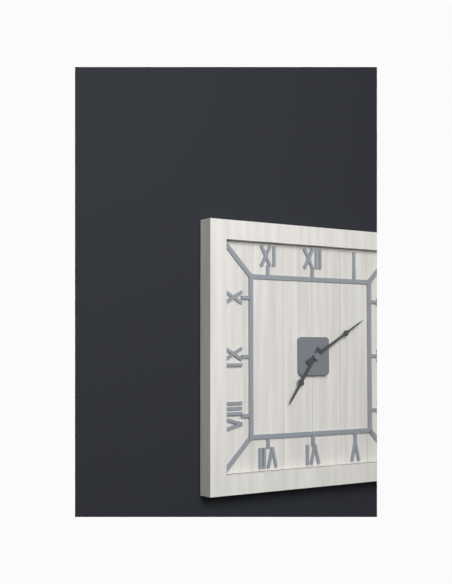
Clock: 7:10
